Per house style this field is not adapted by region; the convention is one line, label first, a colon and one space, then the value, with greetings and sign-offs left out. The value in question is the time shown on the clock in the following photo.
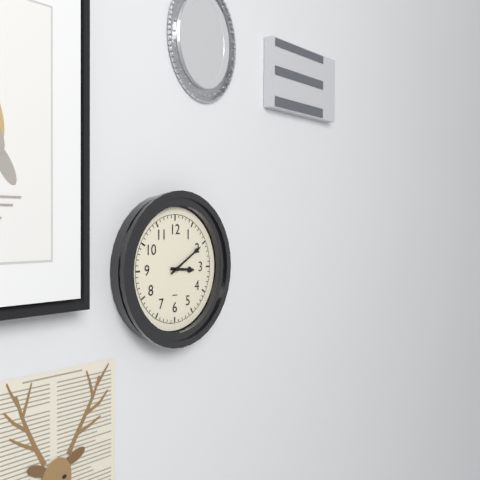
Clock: 3:10
